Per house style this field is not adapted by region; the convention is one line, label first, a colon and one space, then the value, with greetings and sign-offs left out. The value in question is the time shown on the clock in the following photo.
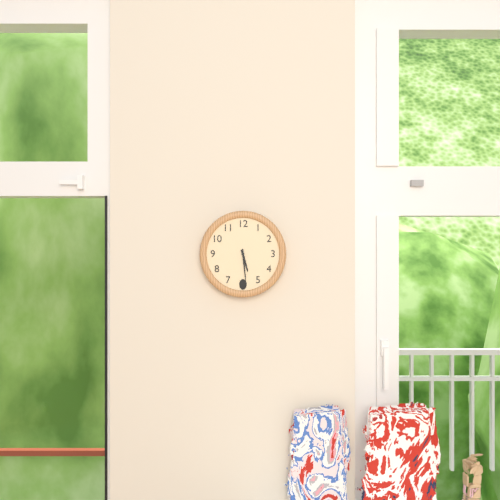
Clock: 5:29
